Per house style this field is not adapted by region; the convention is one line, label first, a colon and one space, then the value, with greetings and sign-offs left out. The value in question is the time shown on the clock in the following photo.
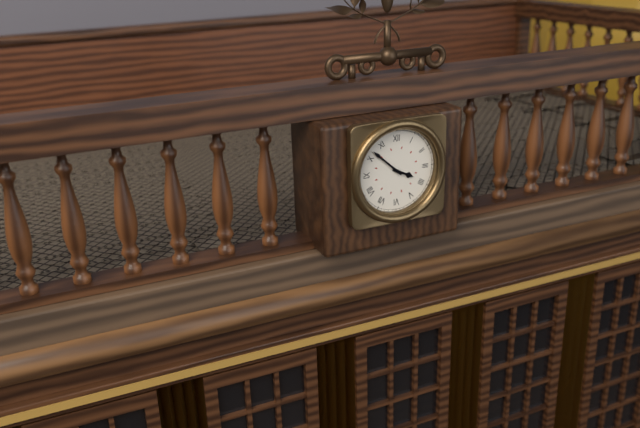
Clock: 3:52
